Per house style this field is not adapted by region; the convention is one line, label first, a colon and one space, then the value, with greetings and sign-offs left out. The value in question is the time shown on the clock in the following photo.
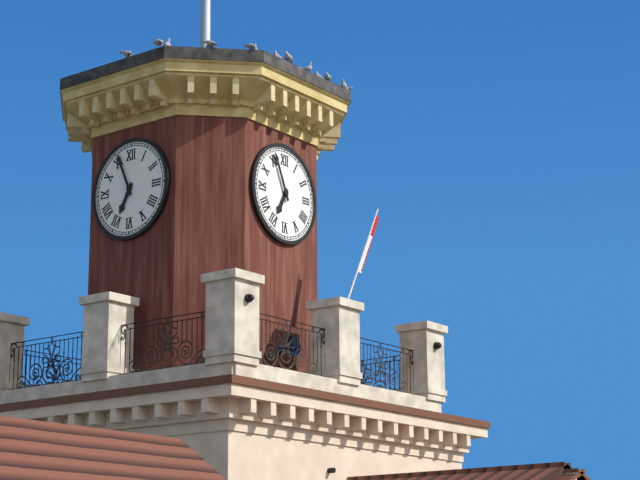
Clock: 6:56
